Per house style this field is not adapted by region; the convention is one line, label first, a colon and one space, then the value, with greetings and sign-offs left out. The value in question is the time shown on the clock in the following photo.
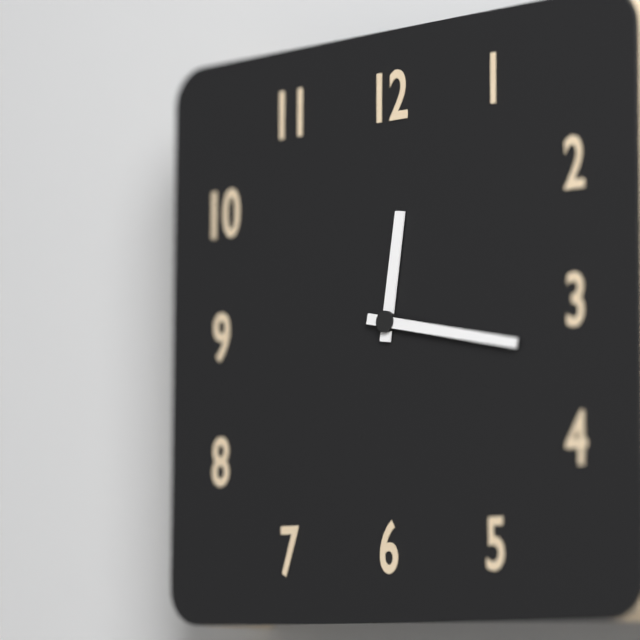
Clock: 12:17
